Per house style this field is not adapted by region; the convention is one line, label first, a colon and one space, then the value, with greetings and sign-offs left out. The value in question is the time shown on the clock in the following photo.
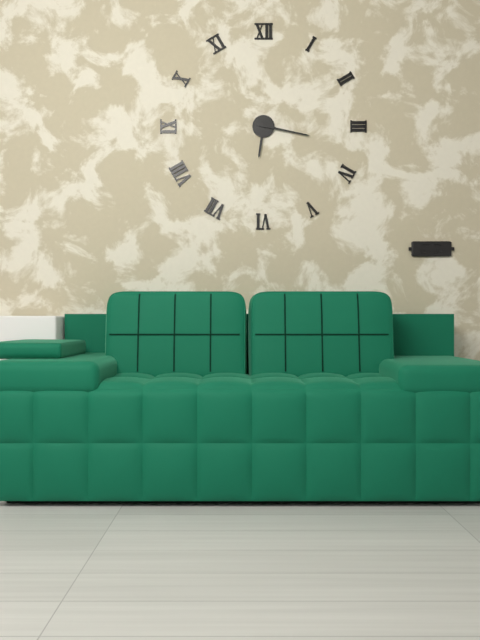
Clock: 6:17
